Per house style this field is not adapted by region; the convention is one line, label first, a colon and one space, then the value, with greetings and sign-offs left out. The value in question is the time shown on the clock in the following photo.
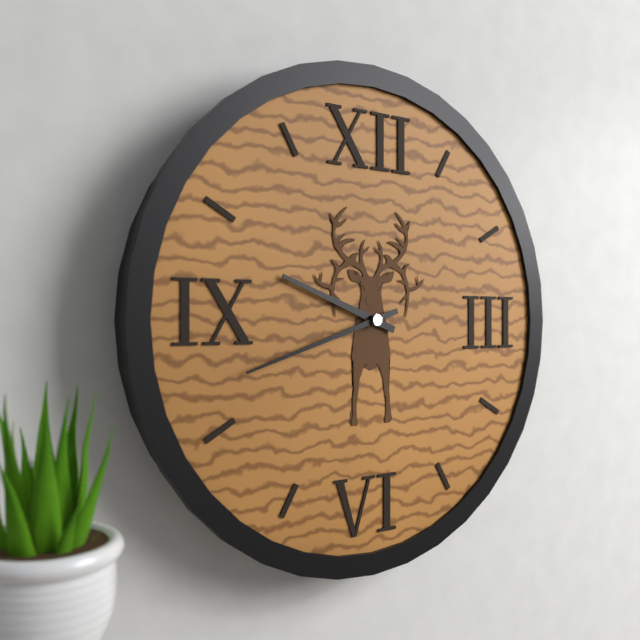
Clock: 9:42
